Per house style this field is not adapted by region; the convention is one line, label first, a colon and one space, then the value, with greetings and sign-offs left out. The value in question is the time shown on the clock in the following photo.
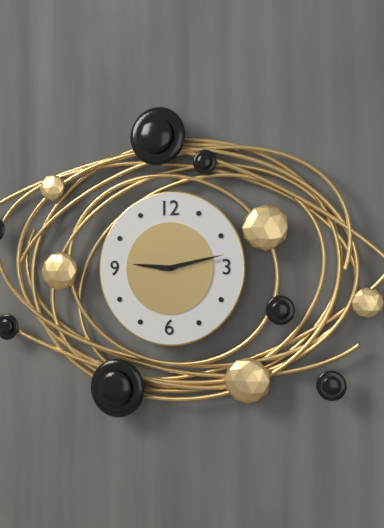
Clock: 9:13
